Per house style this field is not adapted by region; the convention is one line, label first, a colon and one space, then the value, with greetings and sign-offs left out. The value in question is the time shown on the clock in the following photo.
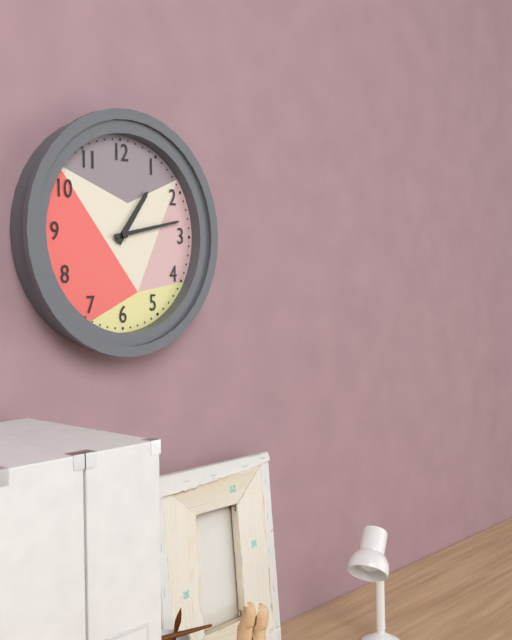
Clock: 1:13
